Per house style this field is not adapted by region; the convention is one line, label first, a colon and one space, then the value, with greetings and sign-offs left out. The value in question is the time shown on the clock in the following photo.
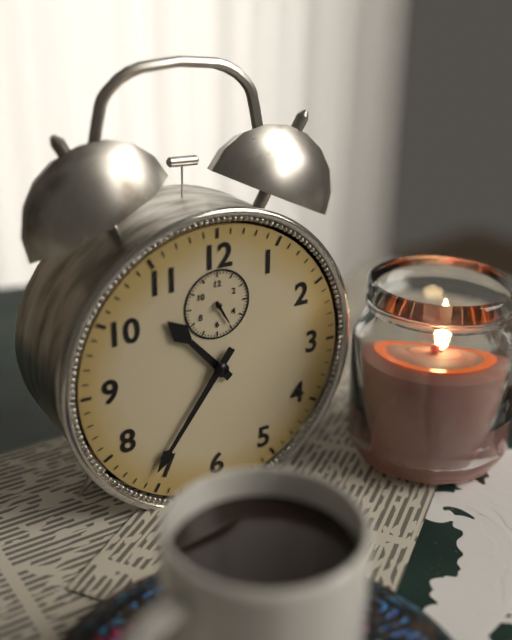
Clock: 10:36
